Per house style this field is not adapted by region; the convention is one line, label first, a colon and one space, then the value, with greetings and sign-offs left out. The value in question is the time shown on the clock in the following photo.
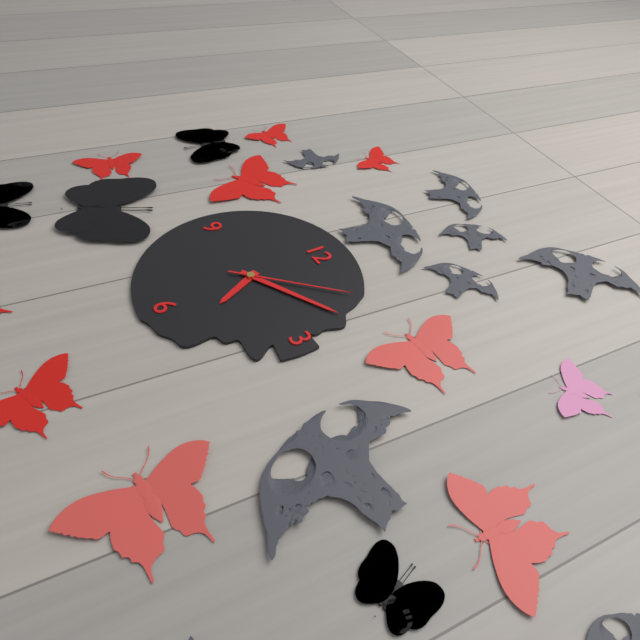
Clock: 5:10:07
